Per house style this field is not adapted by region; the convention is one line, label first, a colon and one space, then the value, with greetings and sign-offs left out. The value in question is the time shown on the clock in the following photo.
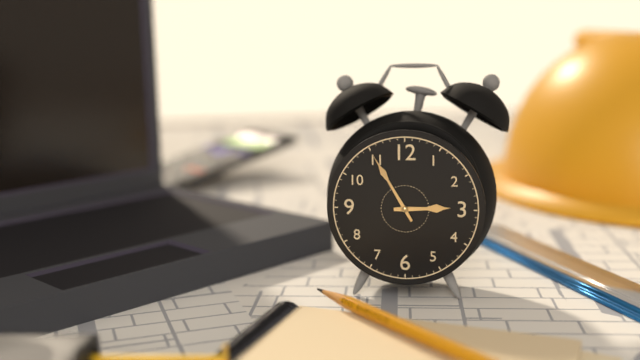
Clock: 2:55
